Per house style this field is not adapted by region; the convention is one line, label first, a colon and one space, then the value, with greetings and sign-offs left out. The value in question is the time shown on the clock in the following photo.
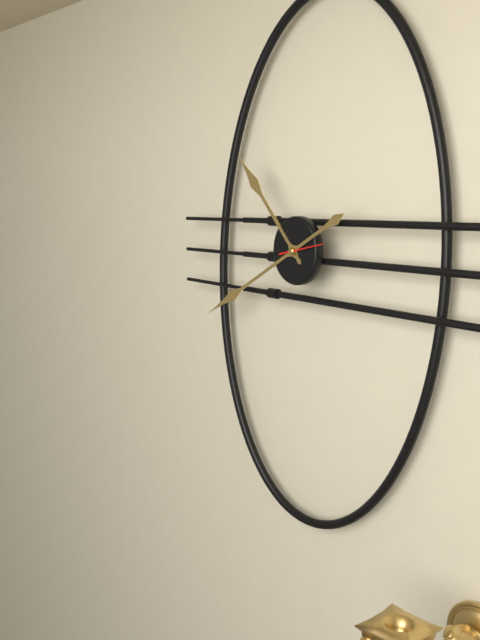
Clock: 10:40
